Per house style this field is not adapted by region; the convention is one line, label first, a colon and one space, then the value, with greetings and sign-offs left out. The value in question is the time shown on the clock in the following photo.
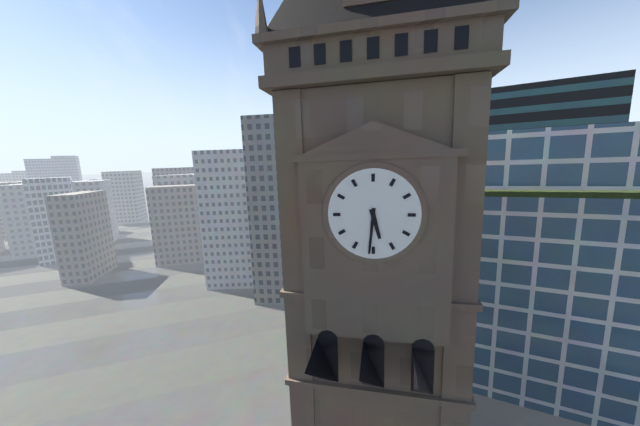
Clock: 5:31
